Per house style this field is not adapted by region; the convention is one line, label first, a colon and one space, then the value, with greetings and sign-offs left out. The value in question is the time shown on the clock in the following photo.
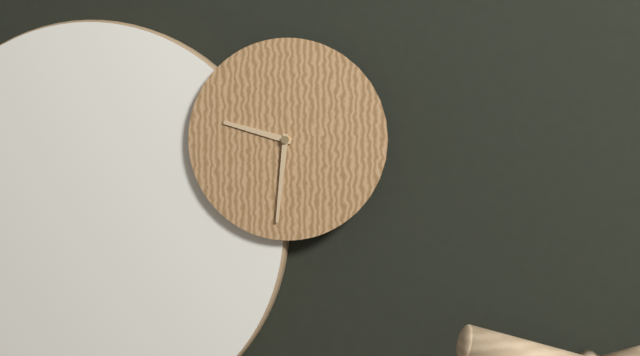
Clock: 9:31
